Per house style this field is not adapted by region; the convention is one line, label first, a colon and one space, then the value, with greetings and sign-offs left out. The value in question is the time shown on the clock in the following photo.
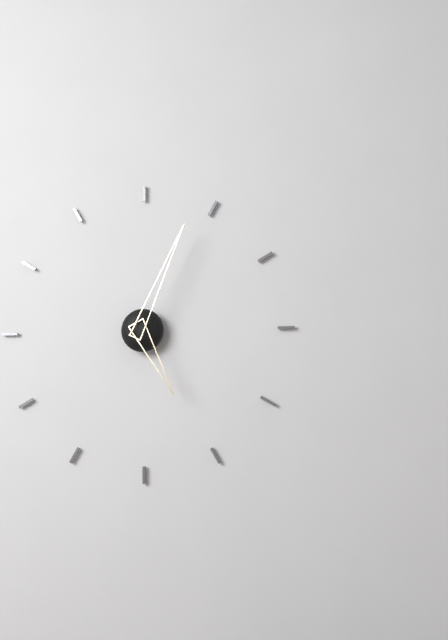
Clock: 5:04
